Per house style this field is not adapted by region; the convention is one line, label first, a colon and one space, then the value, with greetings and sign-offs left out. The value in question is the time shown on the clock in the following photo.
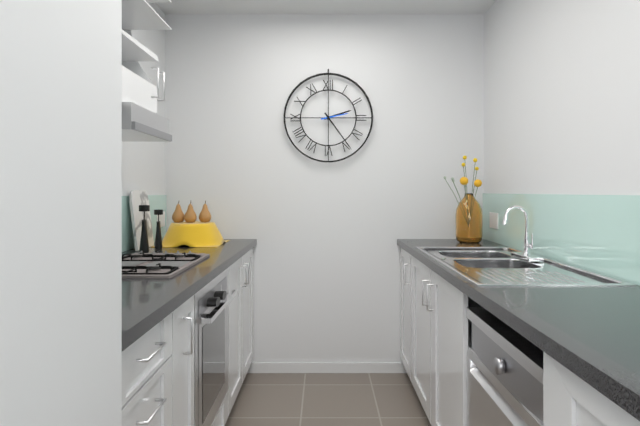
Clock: 2:24
